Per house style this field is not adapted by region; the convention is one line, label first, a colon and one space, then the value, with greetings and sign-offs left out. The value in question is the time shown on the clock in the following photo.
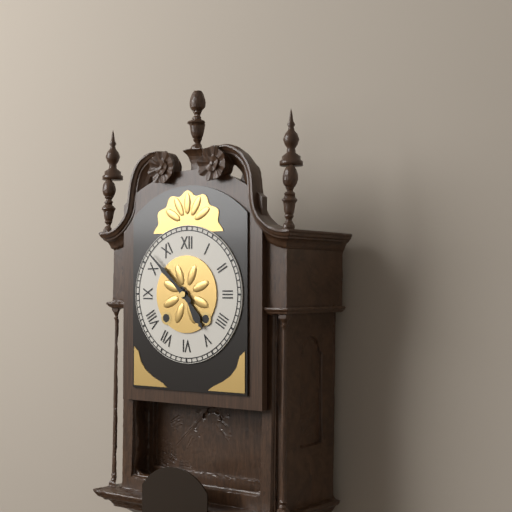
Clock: 4:52
